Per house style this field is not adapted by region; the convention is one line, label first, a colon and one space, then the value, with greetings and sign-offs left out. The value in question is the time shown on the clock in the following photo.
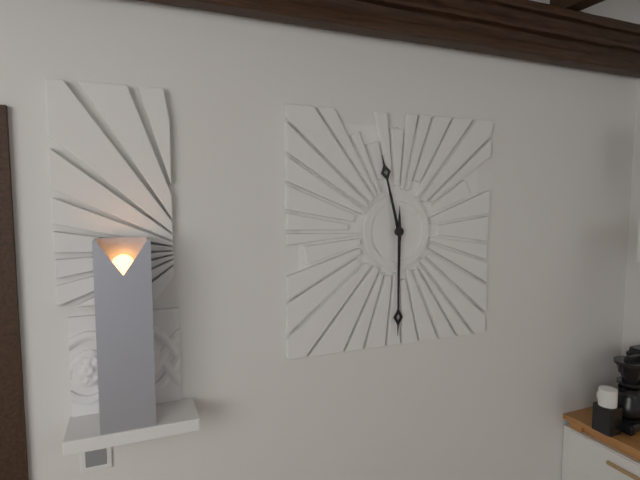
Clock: 11:30
